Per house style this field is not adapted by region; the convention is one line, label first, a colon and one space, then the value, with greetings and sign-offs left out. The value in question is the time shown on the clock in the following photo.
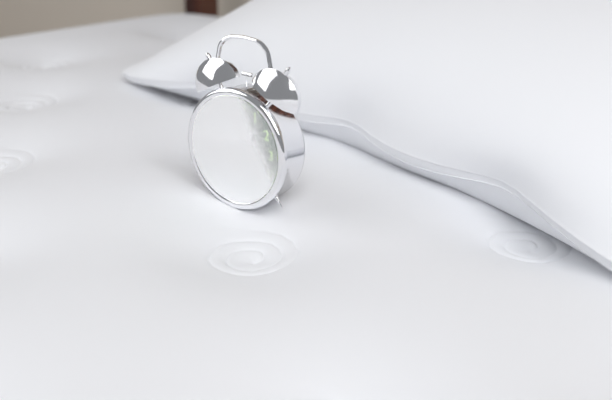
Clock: 4:26:17
